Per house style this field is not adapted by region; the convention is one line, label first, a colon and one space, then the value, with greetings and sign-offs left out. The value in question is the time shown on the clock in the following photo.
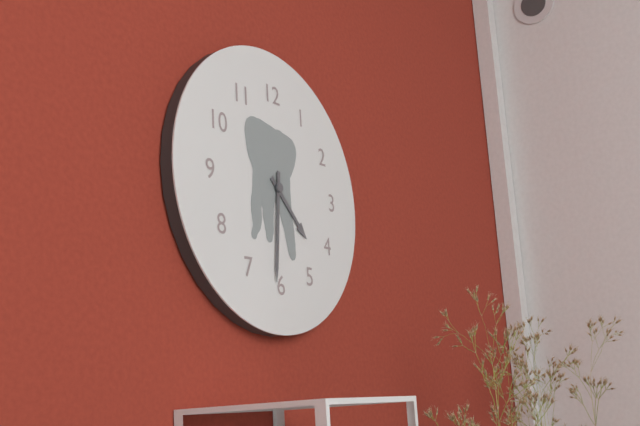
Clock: 4:31
